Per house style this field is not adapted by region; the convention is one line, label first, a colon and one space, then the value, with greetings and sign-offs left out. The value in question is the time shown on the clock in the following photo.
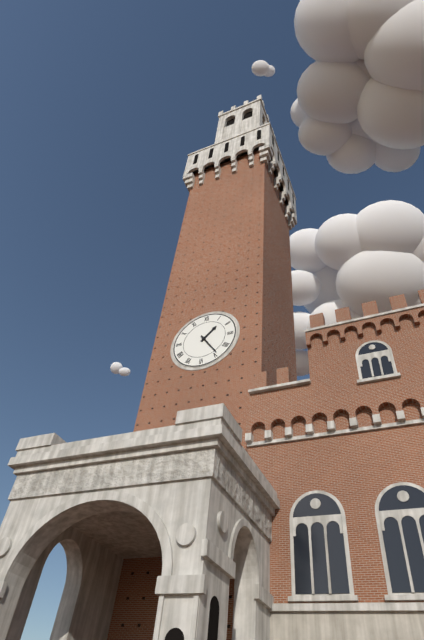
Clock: 1:24
